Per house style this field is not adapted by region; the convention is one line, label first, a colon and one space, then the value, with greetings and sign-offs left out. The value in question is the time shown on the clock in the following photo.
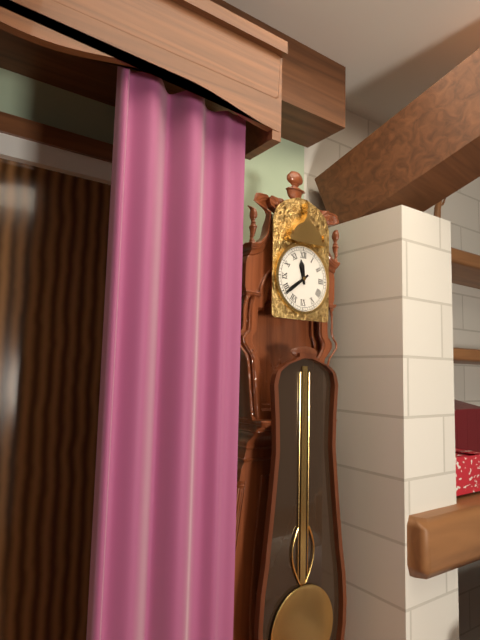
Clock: 11:39
